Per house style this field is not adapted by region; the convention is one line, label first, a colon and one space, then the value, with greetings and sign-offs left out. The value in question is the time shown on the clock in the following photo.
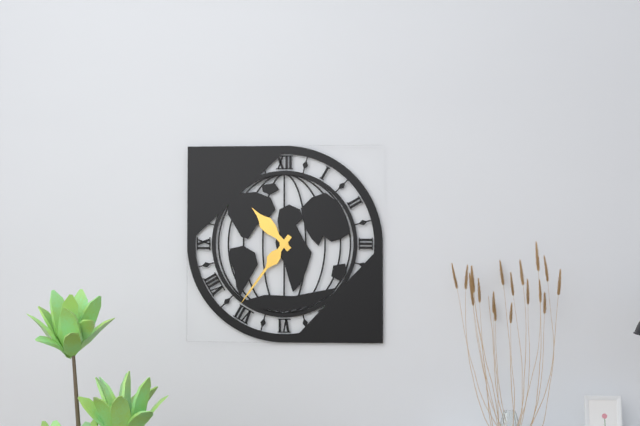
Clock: 10:36
